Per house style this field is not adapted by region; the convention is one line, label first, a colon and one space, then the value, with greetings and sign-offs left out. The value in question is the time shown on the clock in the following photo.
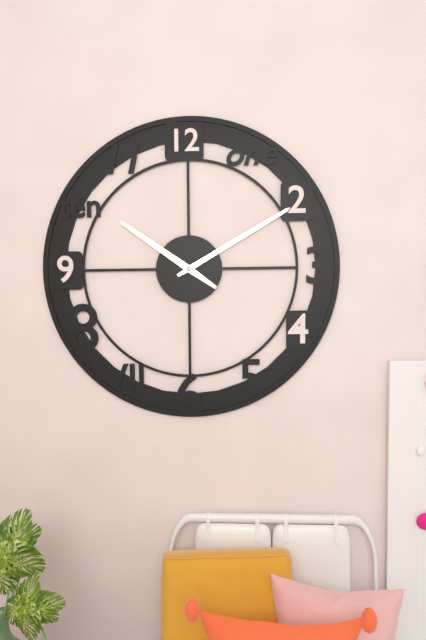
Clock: 10:10
